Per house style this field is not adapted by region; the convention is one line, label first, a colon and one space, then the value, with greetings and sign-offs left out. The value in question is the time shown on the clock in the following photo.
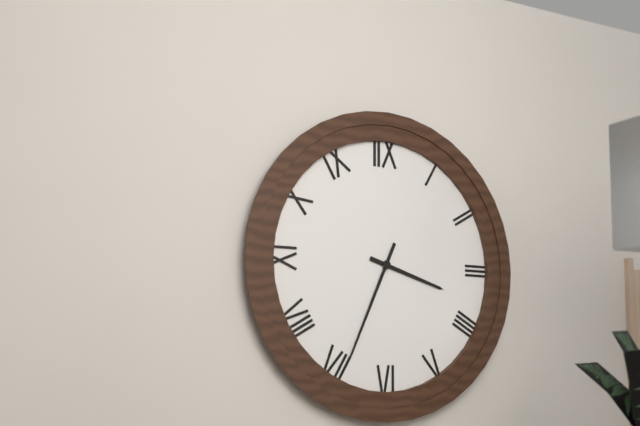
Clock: 3:34
